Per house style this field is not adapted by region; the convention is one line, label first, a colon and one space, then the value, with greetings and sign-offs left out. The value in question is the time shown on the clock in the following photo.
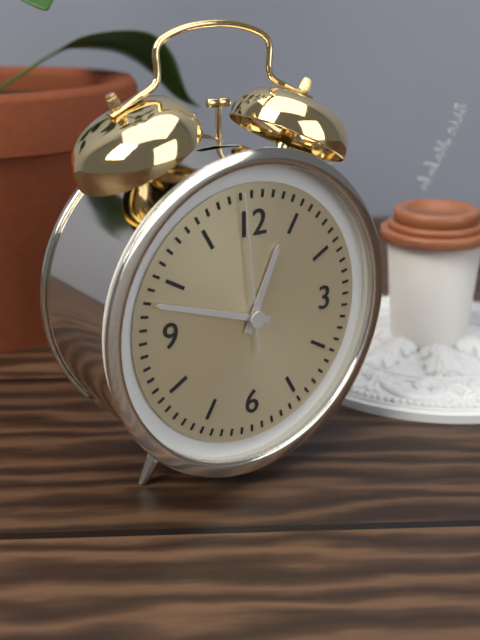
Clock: 12:48:59
